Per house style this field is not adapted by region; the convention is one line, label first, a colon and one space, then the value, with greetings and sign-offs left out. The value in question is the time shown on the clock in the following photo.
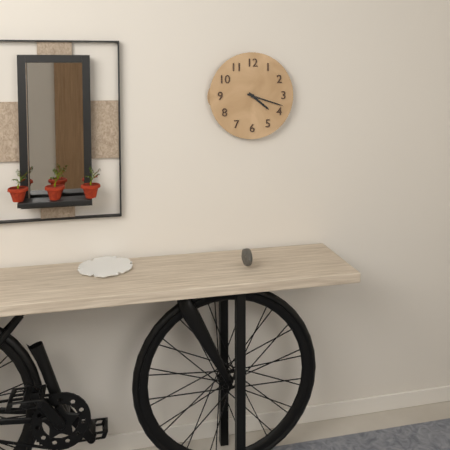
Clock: 4:18
